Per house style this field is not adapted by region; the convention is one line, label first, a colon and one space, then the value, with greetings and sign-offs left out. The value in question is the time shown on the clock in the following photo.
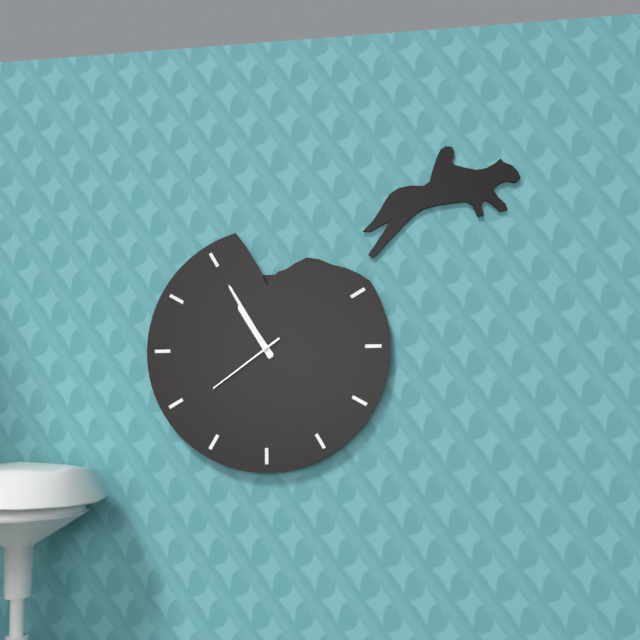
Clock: 10:55:39
